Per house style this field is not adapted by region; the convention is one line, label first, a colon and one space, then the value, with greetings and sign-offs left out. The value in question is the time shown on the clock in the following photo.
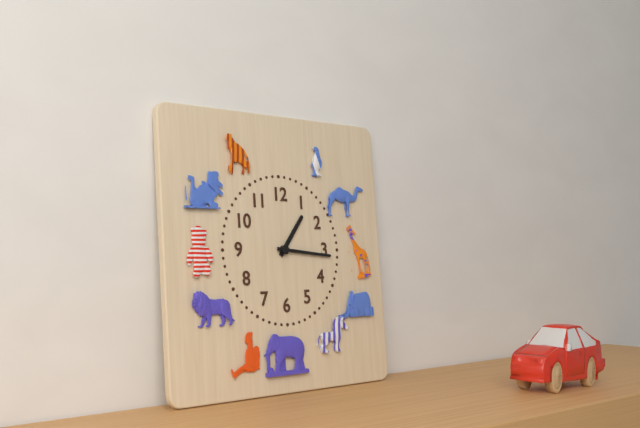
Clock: 1:16
